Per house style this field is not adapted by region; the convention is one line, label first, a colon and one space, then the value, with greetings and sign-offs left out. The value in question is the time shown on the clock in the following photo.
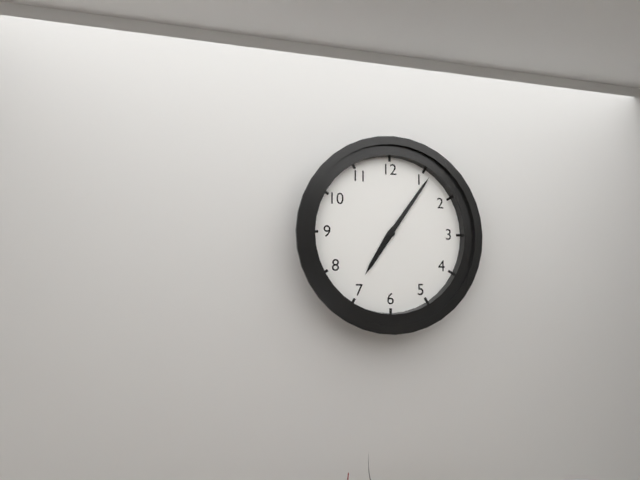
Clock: 7:06
